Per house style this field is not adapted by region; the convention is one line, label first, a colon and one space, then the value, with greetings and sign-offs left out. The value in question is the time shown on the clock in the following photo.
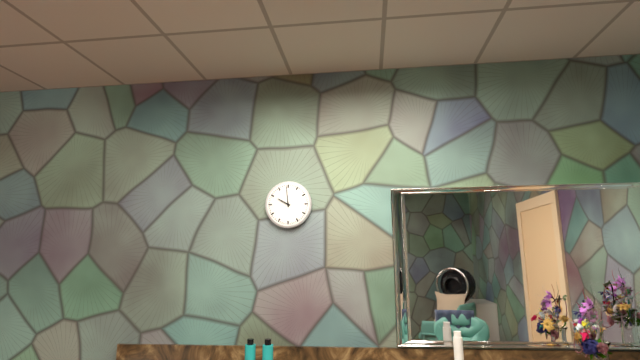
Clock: 9:59
